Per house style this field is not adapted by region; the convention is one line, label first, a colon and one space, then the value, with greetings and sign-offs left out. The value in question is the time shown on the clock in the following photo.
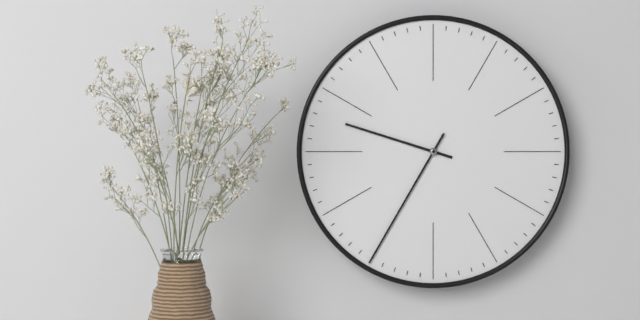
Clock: 9:35
